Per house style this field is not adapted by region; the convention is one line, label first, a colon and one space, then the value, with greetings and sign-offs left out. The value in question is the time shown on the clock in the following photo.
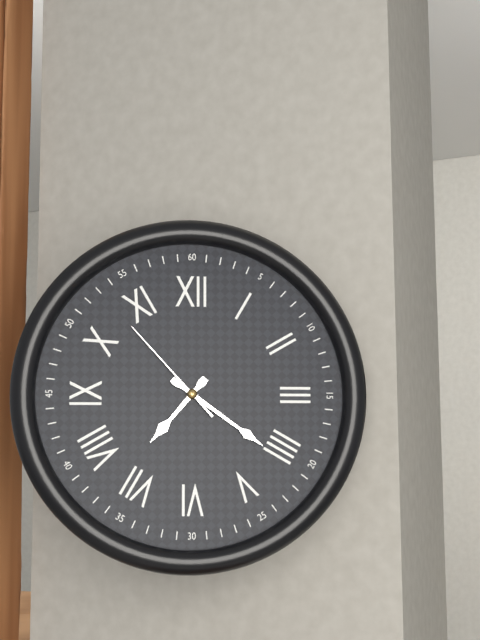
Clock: 7:21:53
